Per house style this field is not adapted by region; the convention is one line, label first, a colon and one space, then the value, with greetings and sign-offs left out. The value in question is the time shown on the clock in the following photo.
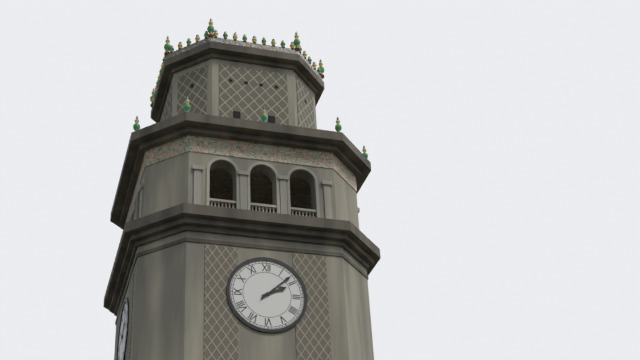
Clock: 2:08
